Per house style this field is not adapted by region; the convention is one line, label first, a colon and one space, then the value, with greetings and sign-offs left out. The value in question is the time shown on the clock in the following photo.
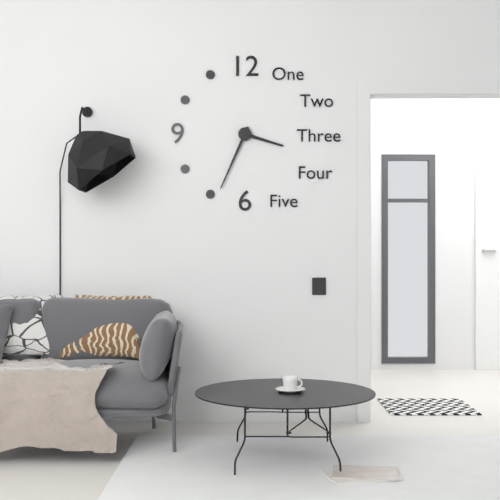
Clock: 3:34
